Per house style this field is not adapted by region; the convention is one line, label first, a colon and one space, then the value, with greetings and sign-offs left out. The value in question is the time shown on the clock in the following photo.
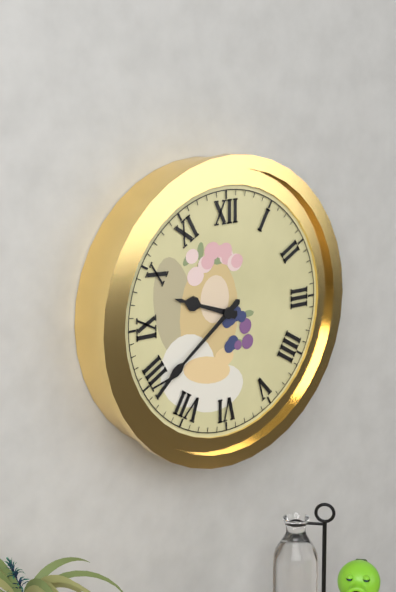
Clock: 9:39
